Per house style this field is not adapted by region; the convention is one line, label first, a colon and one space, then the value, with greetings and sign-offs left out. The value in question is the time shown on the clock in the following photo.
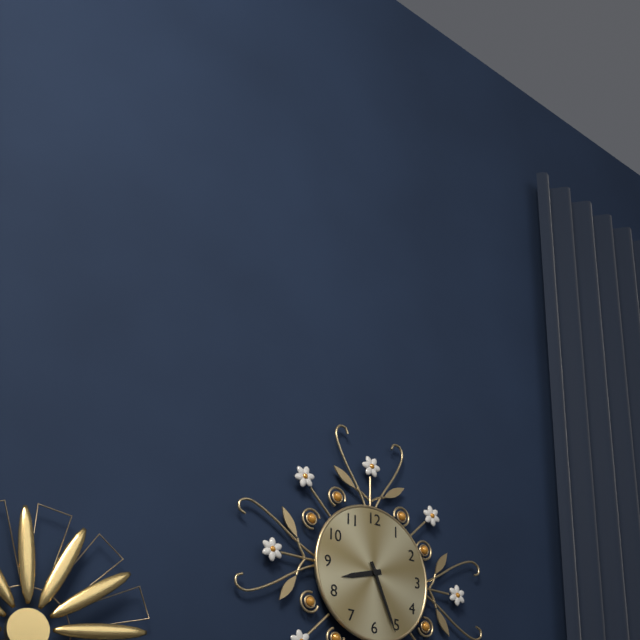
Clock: 8:26
